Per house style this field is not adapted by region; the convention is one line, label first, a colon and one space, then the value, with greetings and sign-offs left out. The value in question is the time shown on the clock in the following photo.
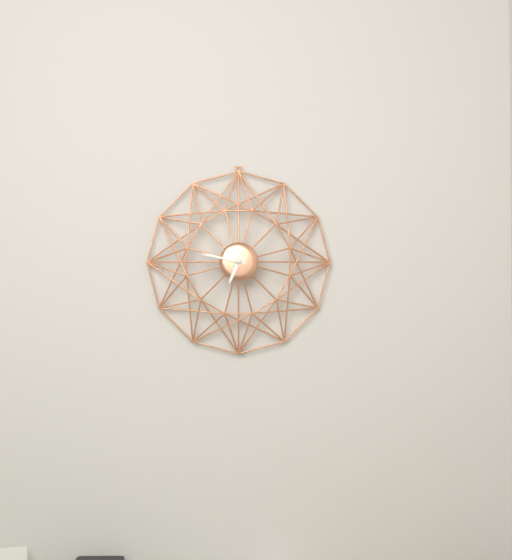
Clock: 6:47
